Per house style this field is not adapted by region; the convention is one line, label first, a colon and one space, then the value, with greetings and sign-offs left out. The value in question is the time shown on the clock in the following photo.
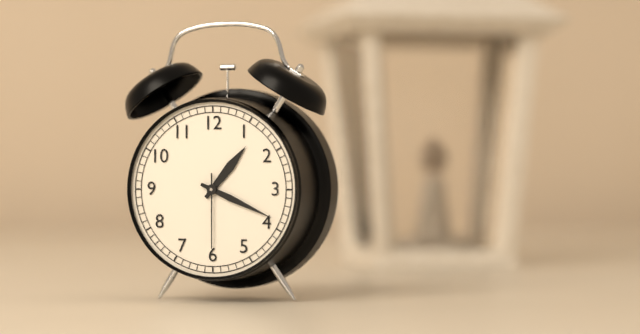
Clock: 1:19:30
